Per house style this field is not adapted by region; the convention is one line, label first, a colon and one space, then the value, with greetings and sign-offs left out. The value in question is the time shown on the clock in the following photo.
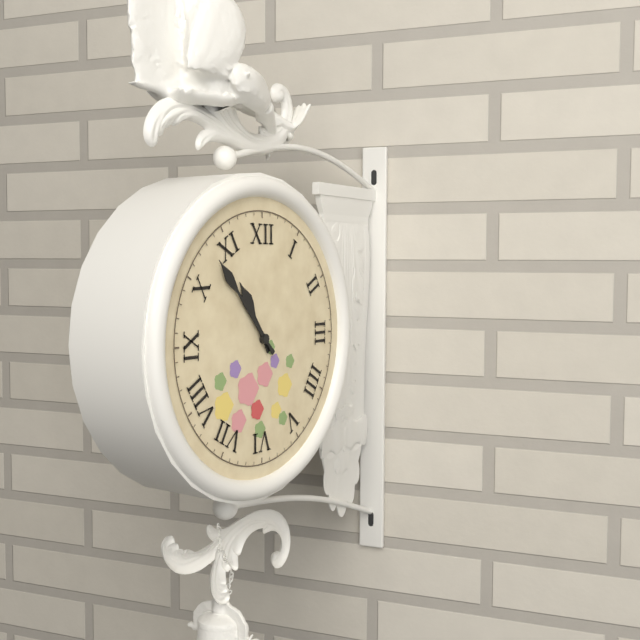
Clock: 10:53
